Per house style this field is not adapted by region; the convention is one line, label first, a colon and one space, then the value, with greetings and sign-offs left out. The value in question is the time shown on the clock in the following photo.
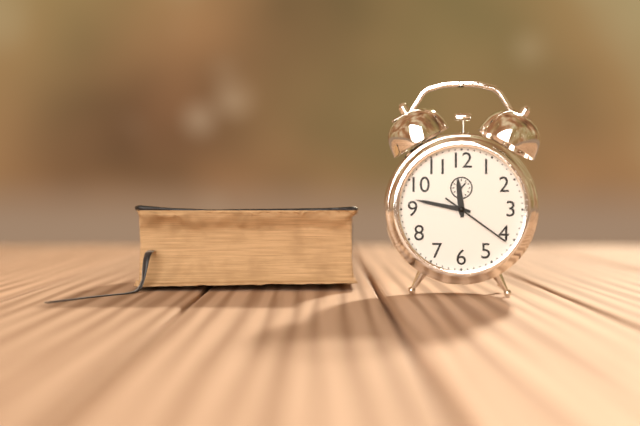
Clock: 11:47:21
